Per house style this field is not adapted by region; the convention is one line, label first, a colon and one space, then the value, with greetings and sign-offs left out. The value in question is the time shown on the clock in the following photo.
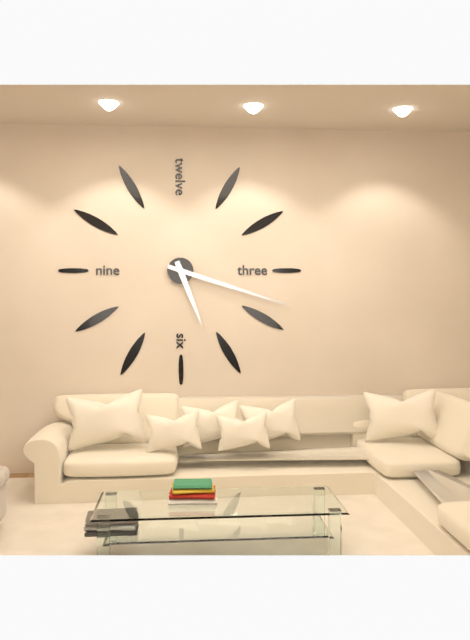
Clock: 5:18
